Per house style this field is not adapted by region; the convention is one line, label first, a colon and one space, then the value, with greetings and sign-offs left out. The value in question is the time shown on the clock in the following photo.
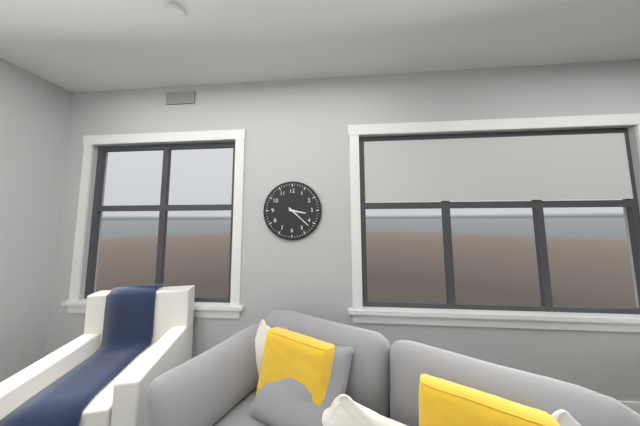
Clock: 3:22
